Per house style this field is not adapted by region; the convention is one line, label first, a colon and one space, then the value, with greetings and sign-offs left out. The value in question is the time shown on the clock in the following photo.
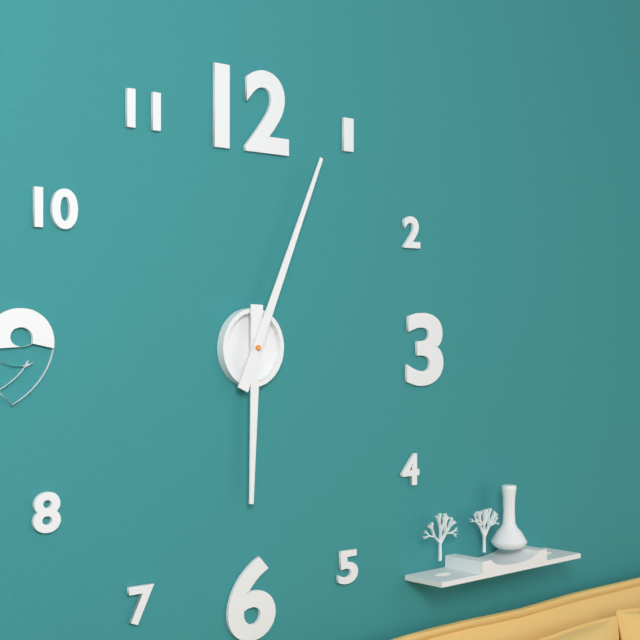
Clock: 6:04
